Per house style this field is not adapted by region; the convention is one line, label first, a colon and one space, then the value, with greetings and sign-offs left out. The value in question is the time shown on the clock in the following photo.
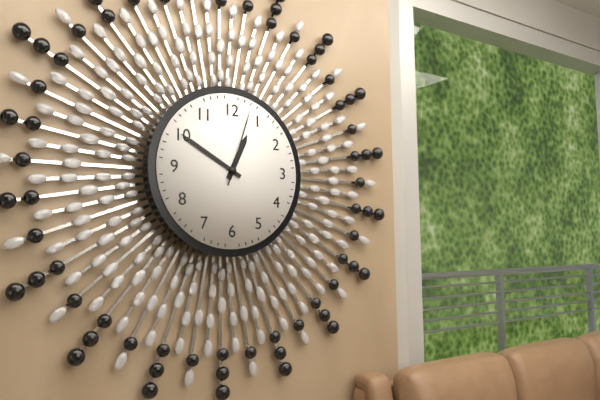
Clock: 12:50:03
